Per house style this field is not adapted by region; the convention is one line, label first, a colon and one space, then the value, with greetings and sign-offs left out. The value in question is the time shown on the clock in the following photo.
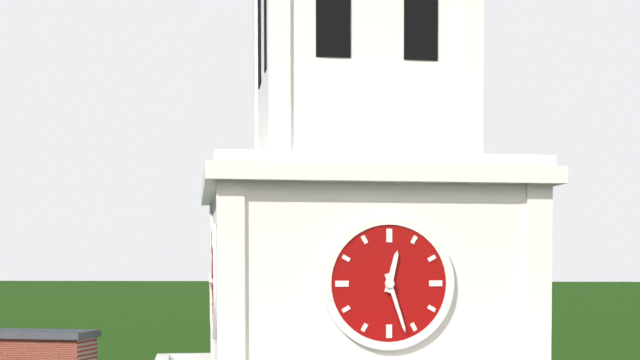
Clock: 12:27
